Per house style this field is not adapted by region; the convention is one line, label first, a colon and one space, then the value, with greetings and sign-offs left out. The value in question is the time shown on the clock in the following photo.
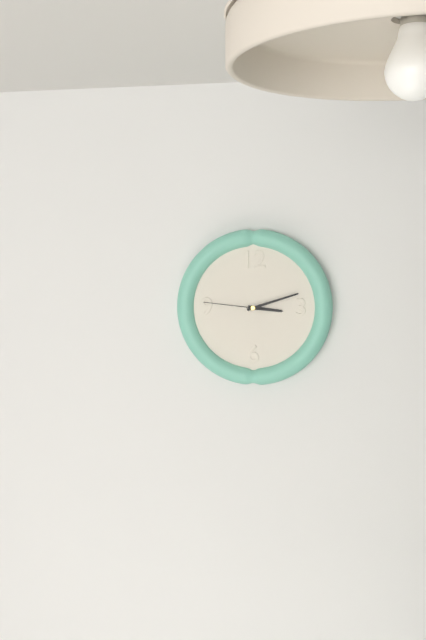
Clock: 3:12:46
